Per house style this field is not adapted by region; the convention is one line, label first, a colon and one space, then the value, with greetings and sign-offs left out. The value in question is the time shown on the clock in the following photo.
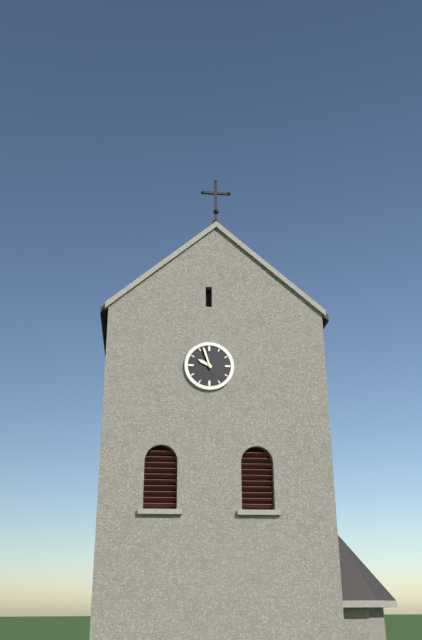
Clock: 9:57
